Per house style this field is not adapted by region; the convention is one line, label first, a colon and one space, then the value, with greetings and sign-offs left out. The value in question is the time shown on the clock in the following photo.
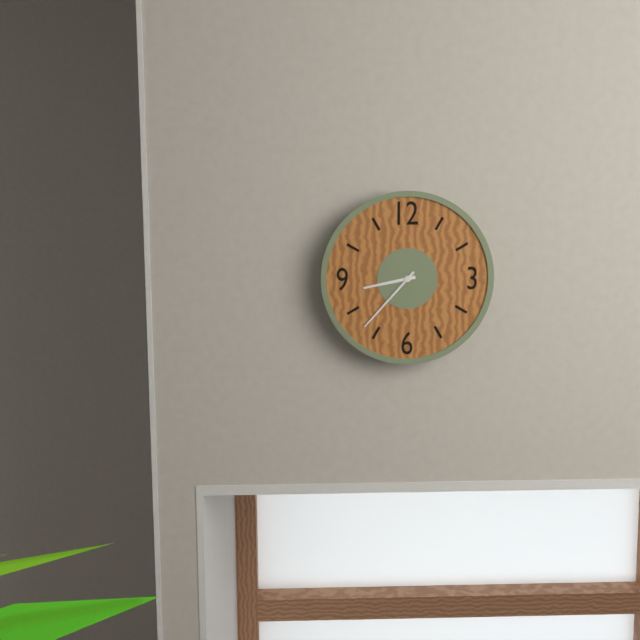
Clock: 8:37
